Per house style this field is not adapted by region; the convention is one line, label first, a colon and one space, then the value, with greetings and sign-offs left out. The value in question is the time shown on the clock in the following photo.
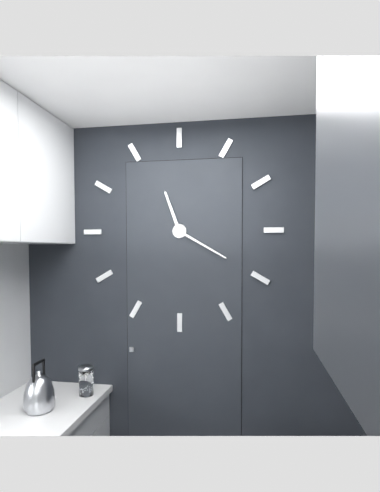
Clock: 11:20
